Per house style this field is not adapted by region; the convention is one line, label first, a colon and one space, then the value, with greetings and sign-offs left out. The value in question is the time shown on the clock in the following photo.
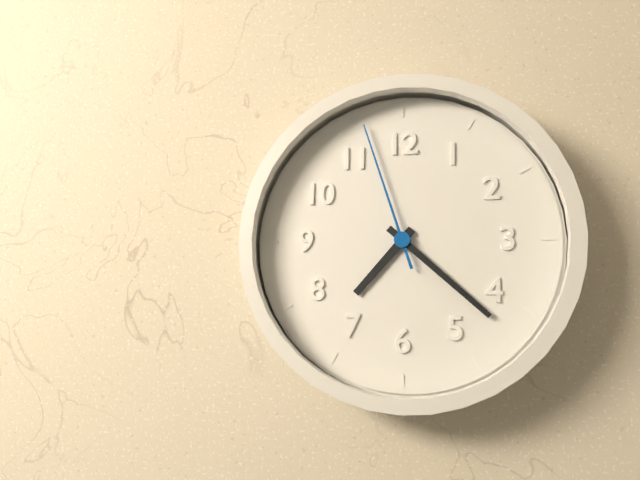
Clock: 7:22:57
